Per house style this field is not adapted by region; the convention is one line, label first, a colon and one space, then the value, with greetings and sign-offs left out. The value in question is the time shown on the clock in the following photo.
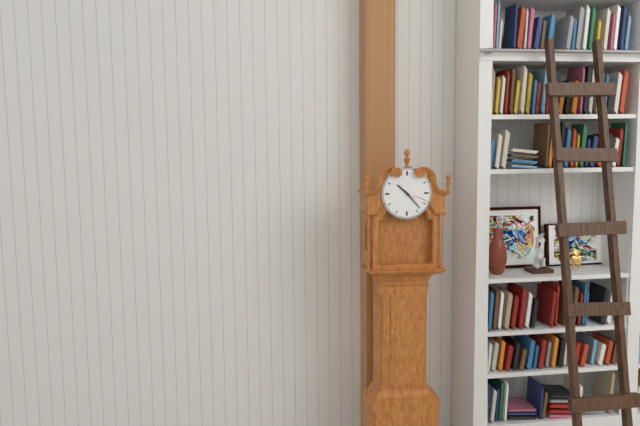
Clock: 10:23
